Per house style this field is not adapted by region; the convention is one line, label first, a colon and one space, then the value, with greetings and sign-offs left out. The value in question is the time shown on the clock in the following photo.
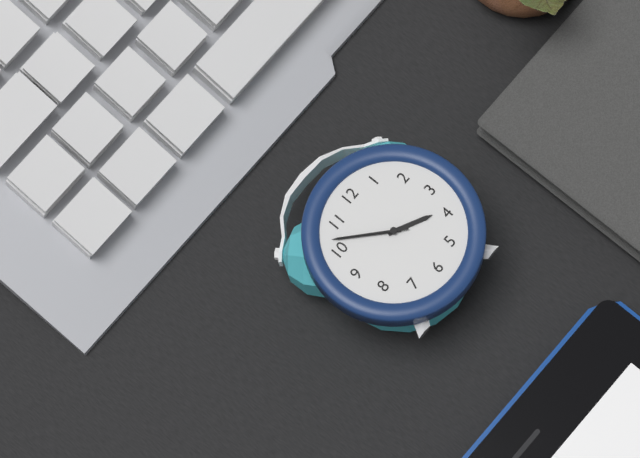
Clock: 3:52:52
